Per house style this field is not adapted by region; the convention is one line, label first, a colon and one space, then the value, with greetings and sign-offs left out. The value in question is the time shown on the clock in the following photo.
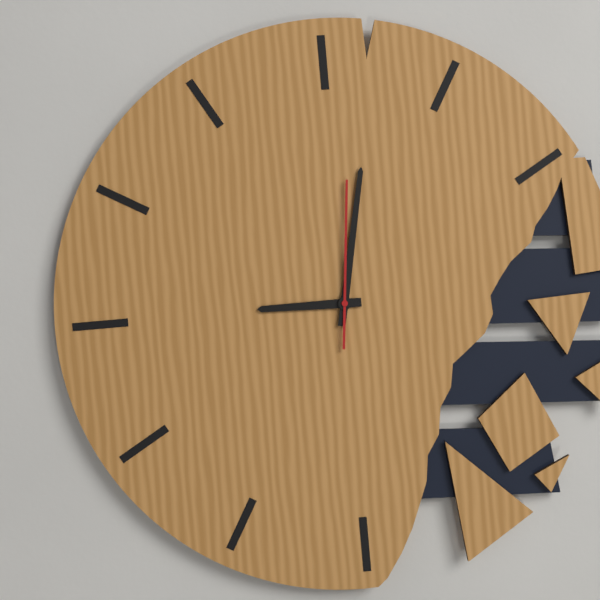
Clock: 9:02:01
